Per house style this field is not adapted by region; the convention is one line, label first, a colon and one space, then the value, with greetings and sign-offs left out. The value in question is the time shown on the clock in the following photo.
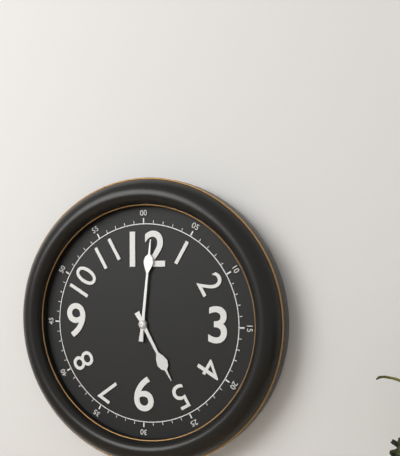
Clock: 5:01
